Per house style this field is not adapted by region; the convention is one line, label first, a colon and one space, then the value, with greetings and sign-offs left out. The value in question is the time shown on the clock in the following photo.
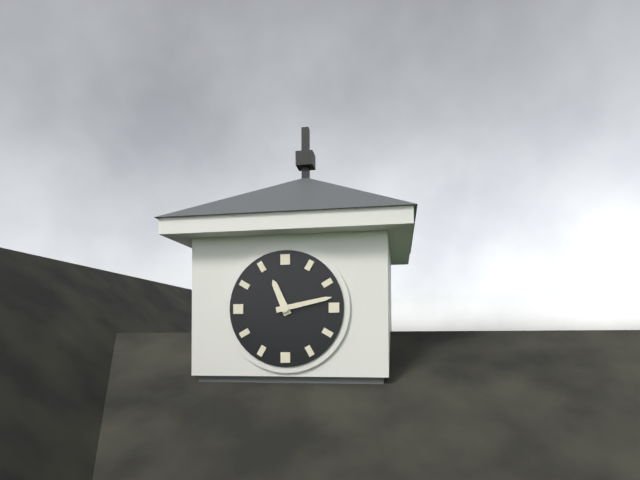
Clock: 11:13
